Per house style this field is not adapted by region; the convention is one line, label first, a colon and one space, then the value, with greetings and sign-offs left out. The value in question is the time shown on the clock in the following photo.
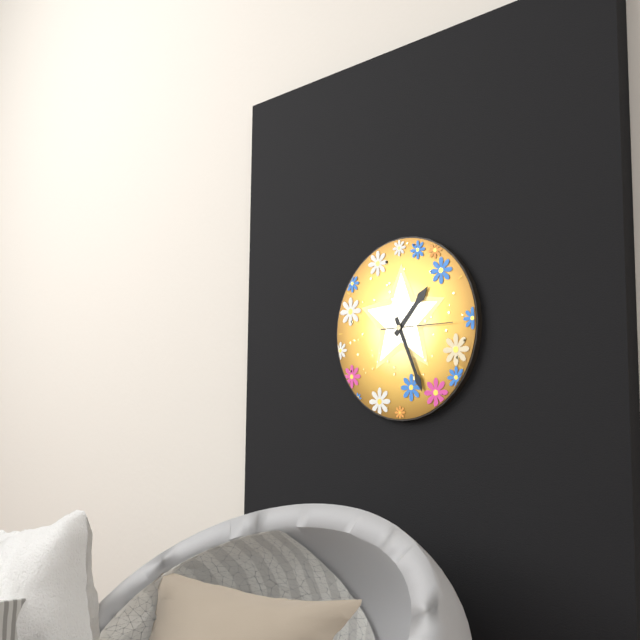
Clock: 1:26:15
